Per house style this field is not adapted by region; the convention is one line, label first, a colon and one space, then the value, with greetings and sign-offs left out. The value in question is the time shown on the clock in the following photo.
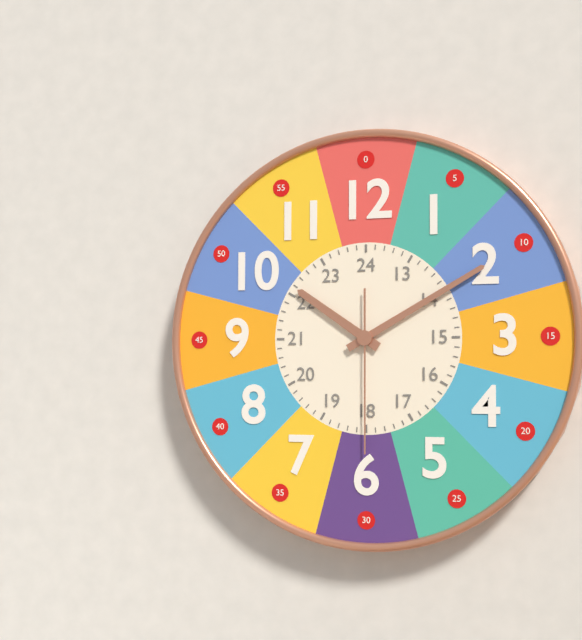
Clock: 10:10:30
